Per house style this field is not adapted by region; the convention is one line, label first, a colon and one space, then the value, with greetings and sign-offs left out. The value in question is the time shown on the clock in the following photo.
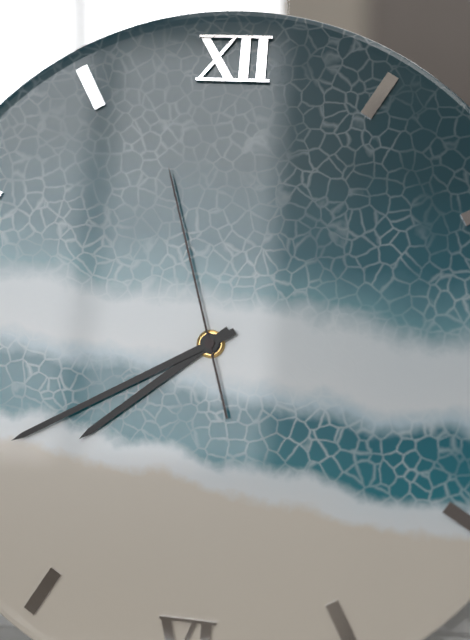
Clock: 7:40:57
